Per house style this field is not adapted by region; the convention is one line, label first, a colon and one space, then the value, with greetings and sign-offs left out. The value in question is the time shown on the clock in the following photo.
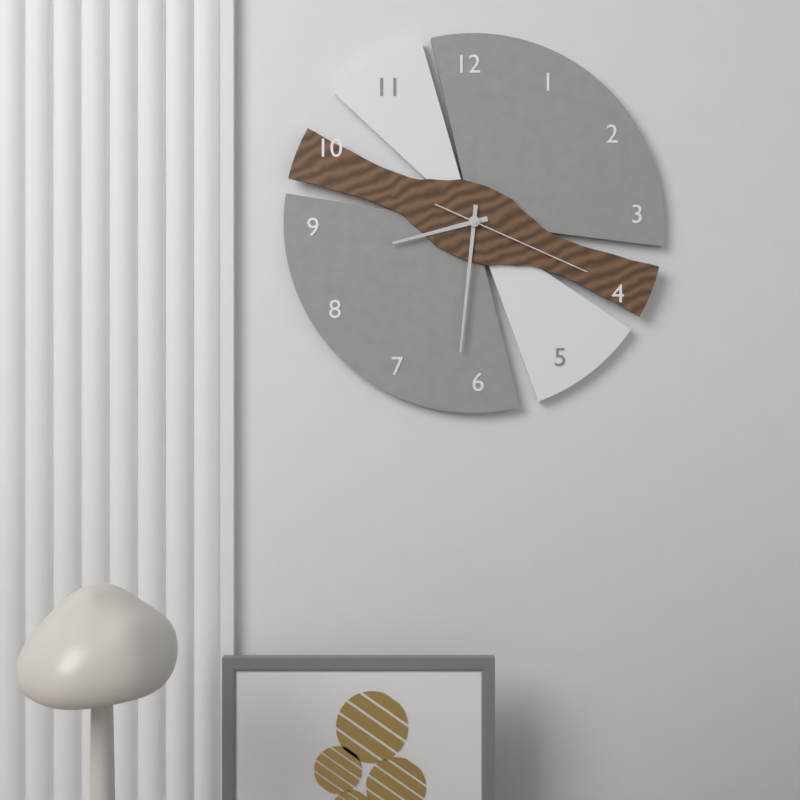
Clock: 8:31:19
